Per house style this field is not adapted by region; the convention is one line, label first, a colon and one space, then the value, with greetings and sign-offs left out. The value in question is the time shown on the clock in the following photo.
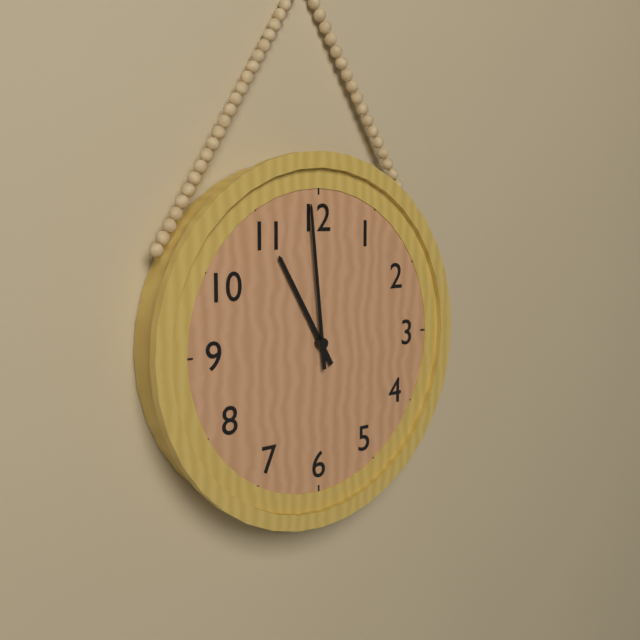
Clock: 10:59
